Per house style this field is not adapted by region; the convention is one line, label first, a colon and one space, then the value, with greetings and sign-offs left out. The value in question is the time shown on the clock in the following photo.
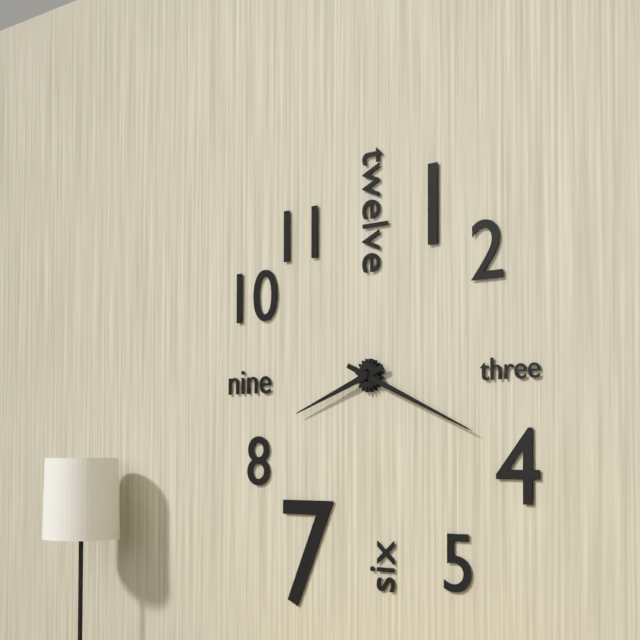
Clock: 8:19
